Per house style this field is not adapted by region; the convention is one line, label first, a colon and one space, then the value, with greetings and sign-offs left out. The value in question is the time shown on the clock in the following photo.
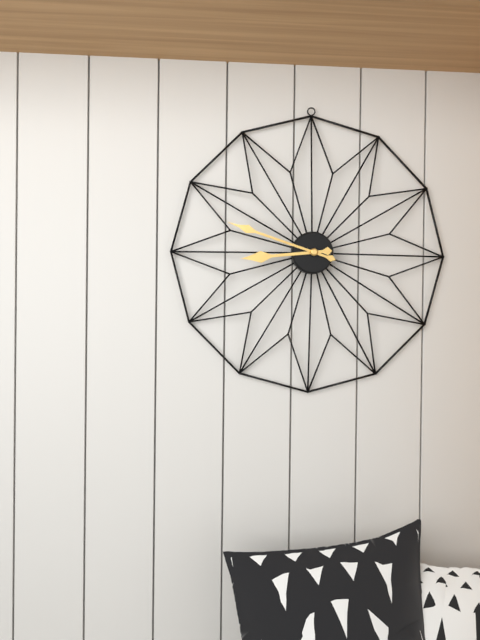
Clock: 8:48
